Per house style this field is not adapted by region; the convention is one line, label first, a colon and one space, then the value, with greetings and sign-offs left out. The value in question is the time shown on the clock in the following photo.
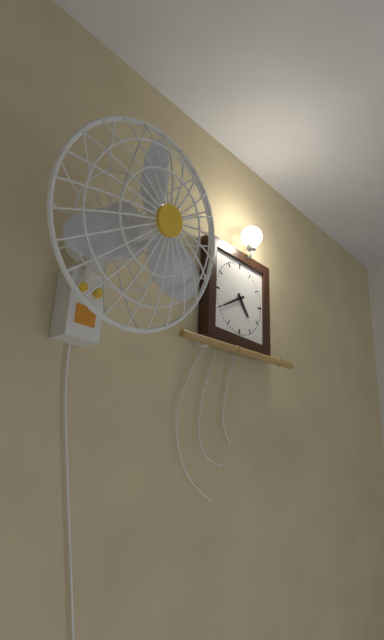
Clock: 4:40
